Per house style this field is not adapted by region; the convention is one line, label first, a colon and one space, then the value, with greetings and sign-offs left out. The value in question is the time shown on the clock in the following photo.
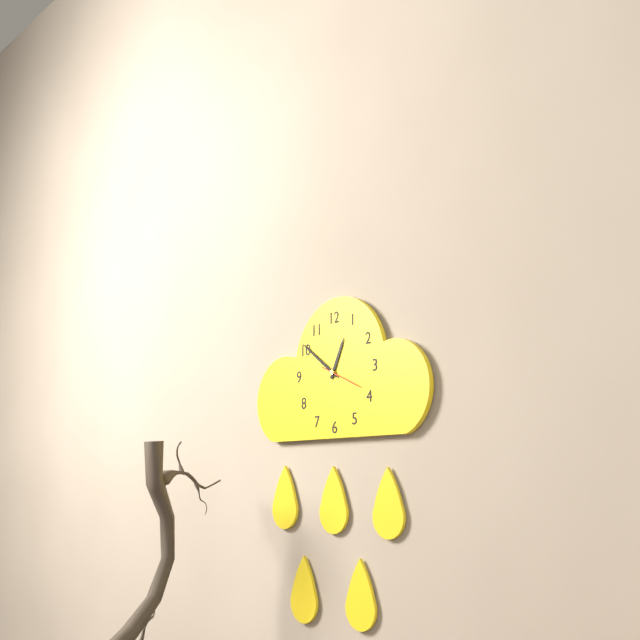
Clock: 12:51
